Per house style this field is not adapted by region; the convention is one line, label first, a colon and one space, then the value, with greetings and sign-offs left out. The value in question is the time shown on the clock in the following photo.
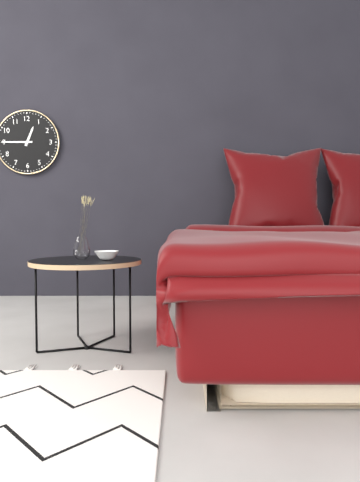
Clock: 12:45
